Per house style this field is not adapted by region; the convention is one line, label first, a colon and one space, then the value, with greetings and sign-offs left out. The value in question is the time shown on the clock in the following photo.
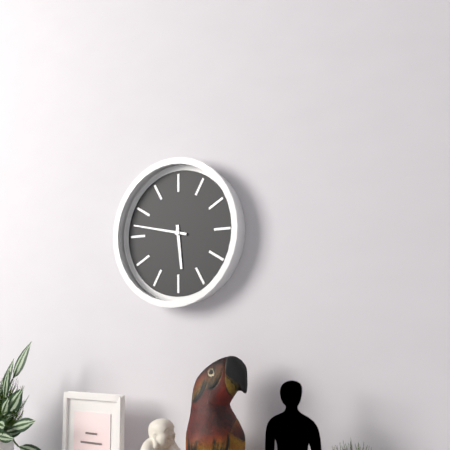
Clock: 5:47
